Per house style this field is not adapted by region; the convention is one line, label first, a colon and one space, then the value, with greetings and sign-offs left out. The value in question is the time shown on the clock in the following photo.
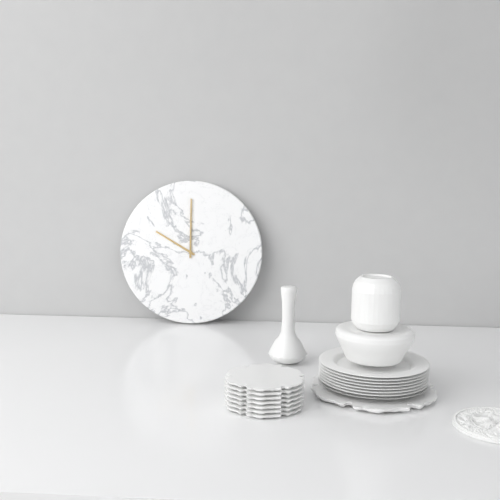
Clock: 10:00
